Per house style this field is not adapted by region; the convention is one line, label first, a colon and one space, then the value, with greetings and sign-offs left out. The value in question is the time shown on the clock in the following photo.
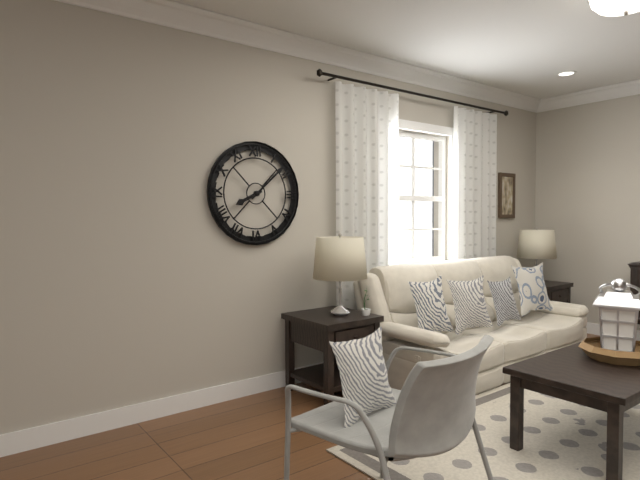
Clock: 8:08
